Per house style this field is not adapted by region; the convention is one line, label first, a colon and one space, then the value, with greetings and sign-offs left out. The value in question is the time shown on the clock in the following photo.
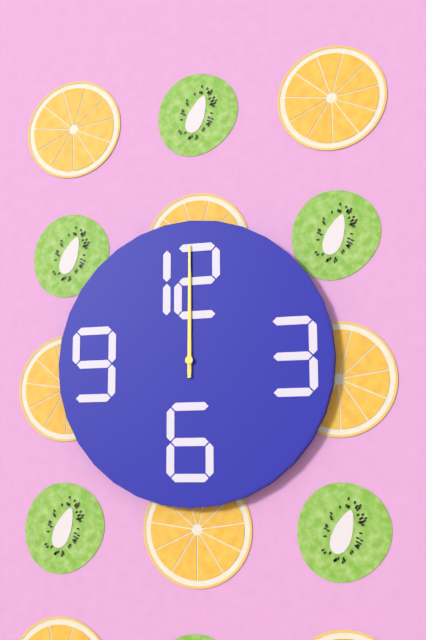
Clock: 12:00
